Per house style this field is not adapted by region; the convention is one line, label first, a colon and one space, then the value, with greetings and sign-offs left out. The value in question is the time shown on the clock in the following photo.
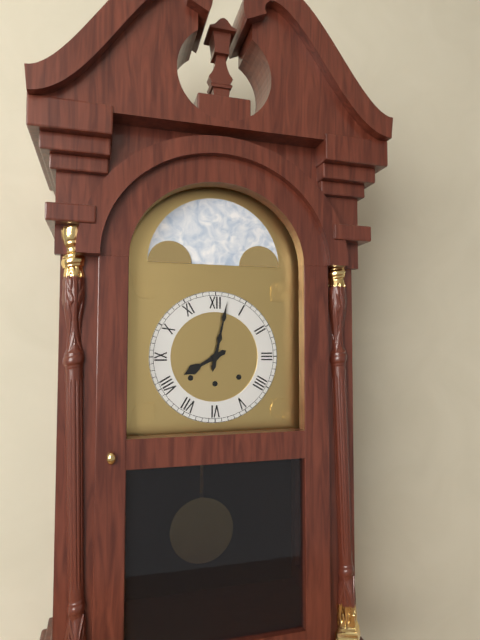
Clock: 8:02
